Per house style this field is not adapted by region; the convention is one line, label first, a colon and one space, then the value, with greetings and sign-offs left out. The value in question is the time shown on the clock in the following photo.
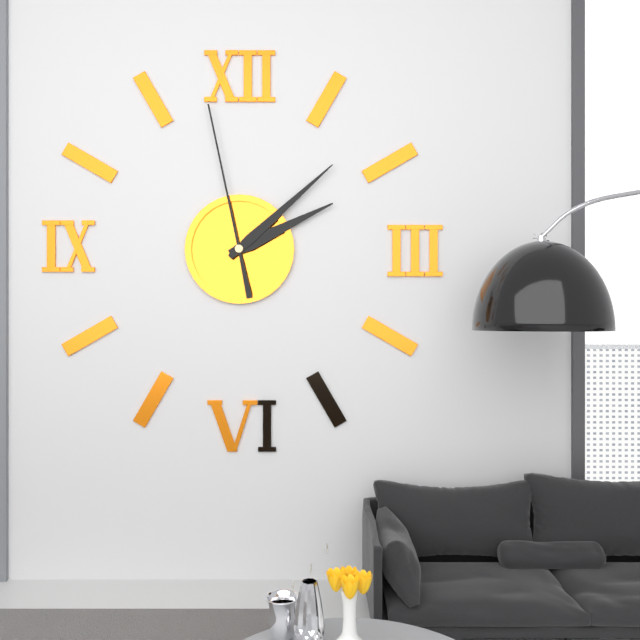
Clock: 2:08:58
